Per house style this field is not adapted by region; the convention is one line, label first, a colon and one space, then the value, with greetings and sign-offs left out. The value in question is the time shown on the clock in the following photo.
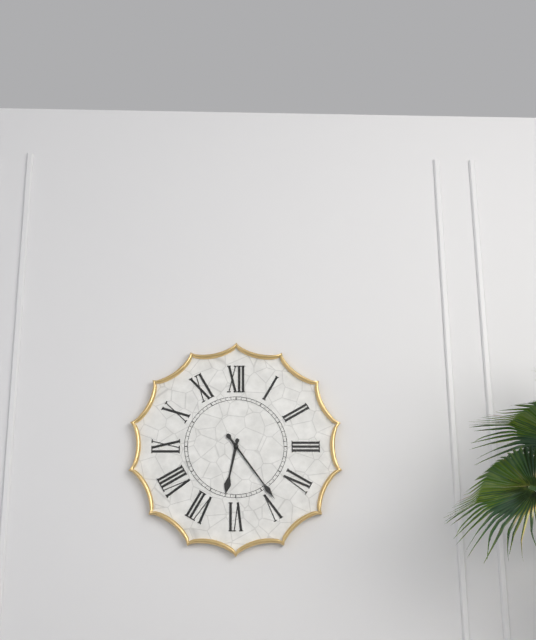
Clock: 6:24
